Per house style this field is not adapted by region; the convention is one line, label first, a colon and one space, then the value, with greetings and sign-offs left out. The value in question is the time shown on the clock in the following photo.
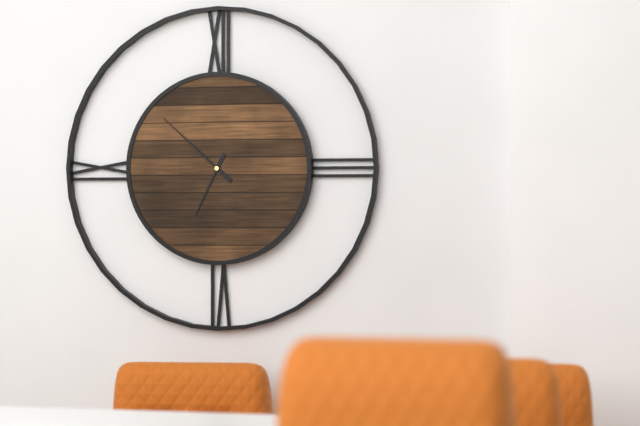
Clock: 6:52
